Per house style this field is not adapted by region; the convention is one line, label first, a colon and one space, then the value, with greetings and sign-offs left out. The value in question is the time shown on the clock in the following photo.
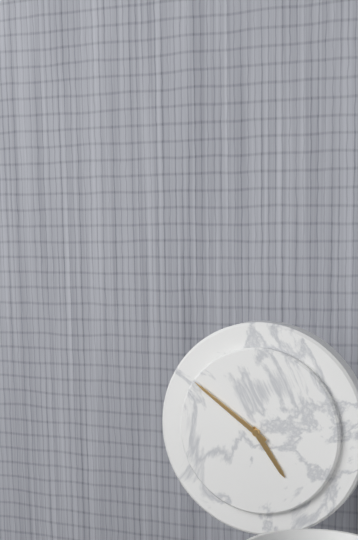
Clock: 4:51
